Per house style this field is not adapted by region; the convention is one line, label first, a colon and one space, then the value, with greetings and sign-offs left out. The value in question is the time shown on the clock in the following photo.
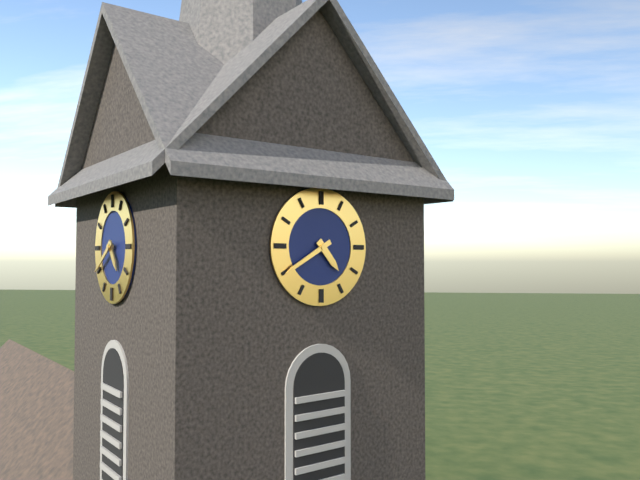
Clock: 4:40
